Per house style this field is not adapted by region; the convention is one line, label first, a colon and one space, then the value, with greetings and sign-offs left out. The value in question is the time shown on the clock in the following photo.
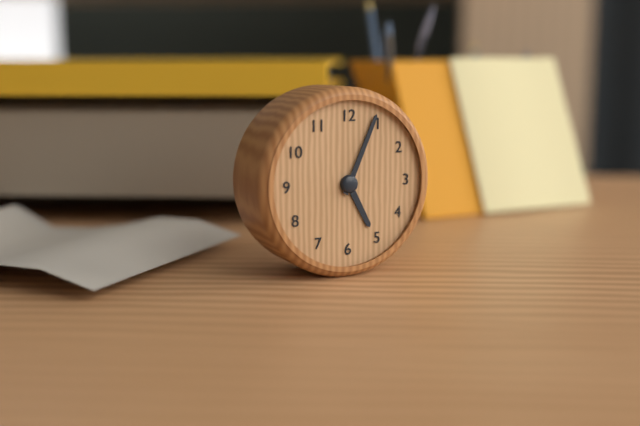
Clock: 5:04
